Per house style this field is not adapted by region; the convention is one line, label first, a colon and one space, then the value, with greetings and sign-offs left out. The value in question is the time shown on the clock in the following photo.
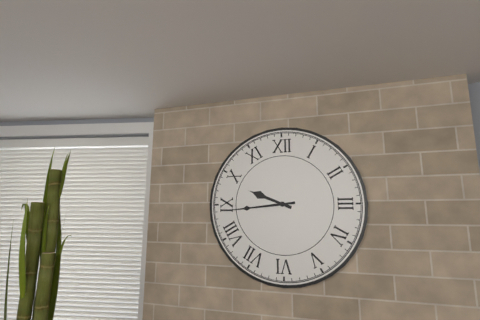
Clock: 9:44
